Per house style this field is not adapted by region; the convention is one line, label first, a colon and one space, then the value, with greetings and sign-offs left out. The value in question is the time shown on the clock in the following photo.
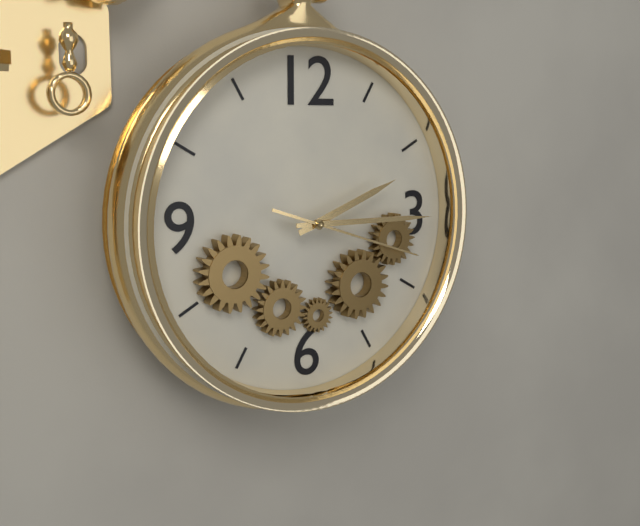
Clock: 2:15:18
